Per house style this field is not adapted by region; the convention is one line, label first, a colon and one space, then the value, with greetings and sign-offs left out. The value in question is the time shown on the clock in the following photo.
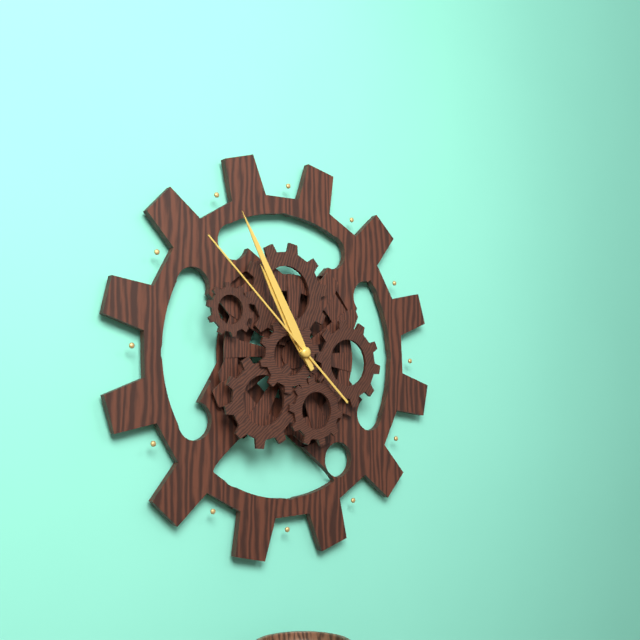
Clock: 10:55:52
